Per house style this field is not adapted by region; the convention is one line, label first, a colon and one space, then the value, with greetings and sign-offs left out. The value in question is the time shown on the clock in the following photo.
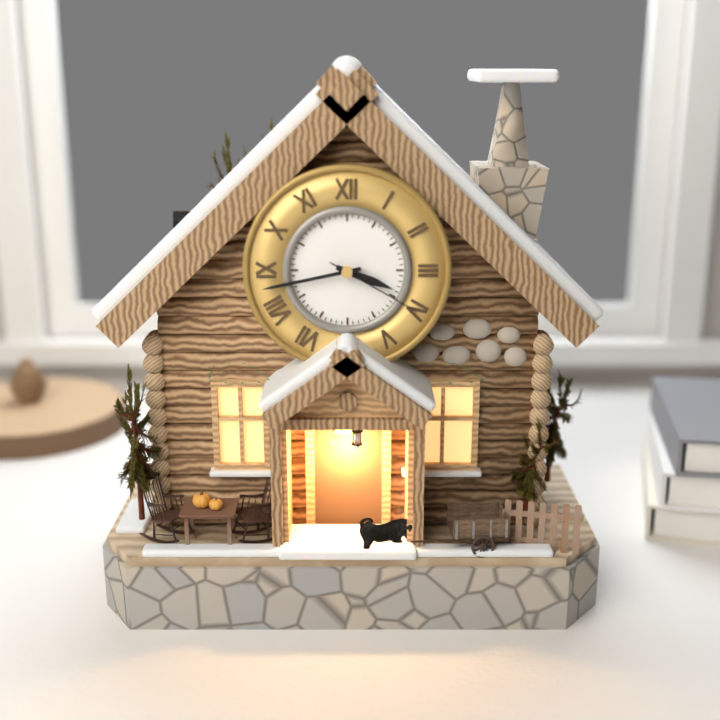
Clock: 3:43:20
